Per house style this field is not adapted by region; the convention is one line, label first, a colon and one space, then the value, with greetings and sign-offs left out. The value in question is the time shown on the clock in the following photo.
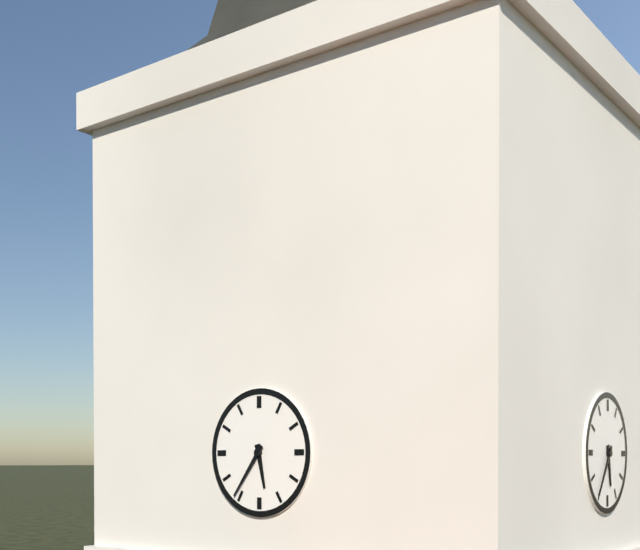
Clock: 5:36
